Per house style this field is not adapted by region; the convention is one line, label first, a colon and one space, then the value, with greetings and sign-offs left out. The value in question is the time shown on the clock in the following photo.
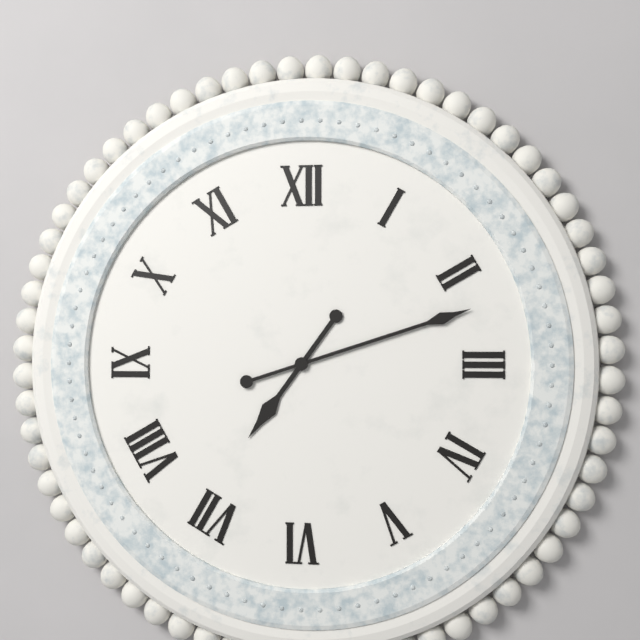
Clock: 7:12
